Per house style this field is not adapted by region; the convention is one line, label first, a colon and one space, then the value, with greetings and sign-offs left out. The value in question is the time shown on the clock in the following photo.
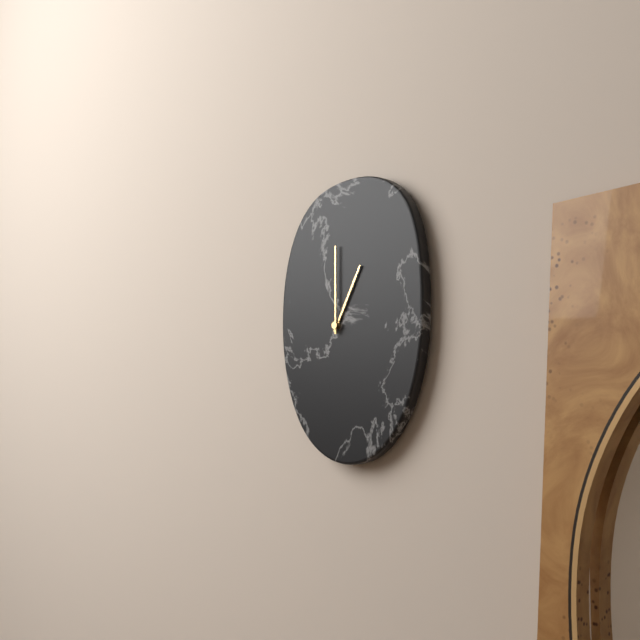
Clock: 1:00
